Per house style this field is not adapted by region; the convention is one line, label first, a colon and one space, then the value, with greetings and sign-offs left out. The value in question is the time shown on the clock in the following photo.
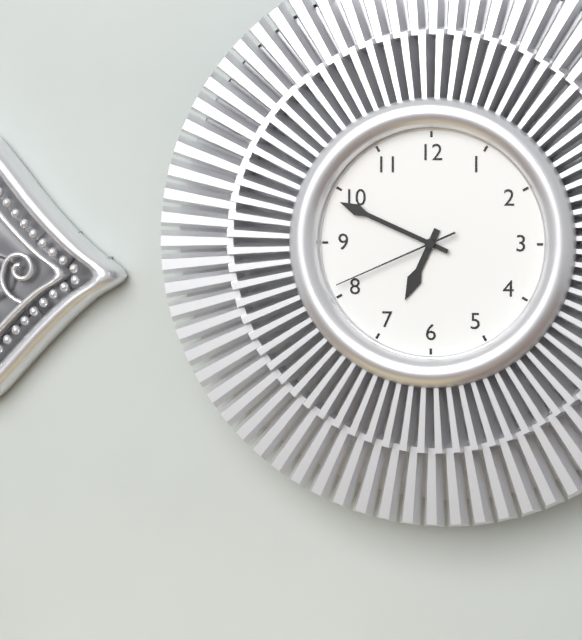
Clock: 6:49:41
